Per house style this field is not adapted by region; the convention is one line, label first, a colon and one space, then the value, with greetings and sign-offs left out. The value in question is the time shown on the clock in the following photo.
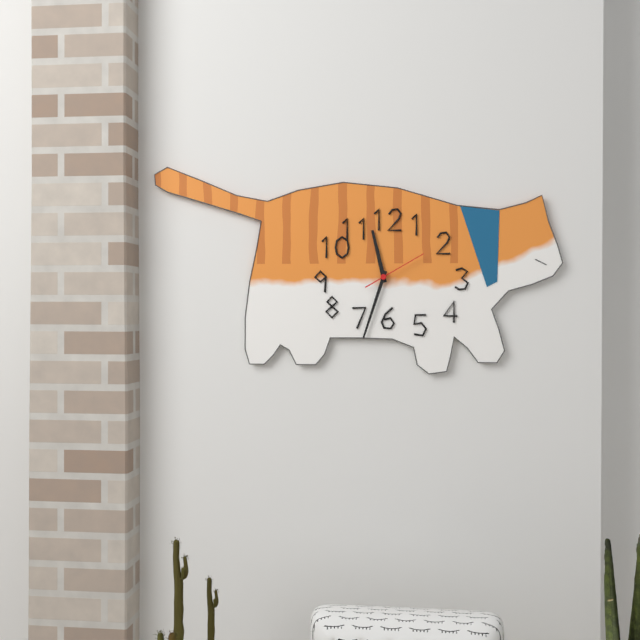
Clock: 11:33:10
